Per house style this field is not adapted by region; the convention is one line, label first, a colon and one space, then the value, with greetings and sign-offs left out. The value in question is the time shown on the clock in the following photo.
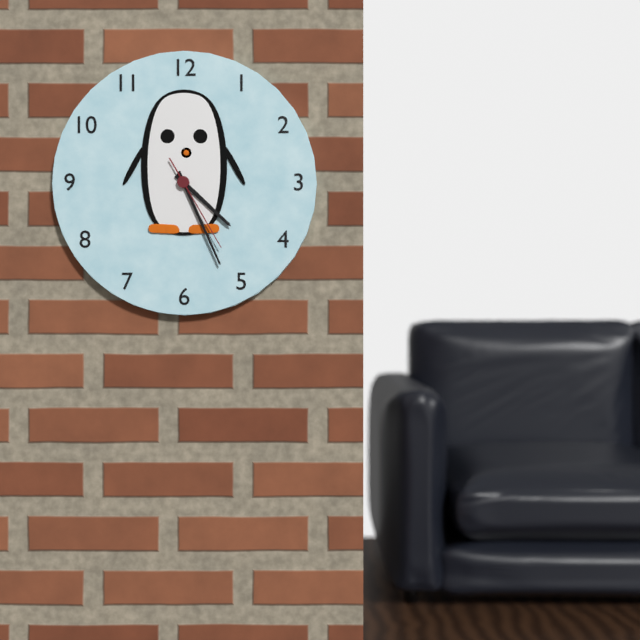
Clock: 4:26:25
